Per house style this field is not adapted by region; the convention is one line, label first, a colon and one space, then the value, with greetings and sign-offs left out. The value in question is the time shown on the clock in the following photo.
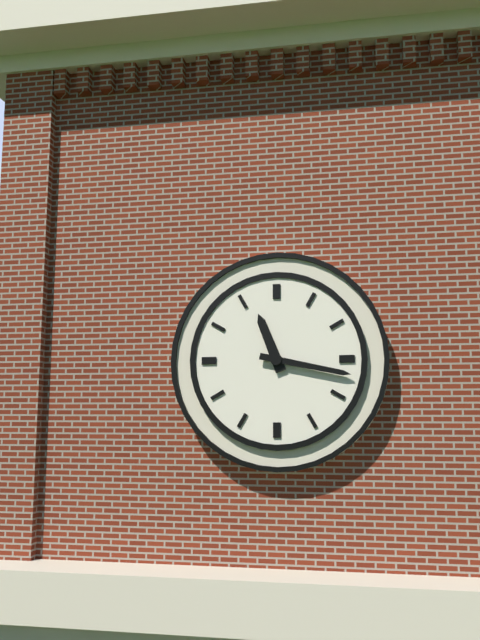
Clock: 11:17
